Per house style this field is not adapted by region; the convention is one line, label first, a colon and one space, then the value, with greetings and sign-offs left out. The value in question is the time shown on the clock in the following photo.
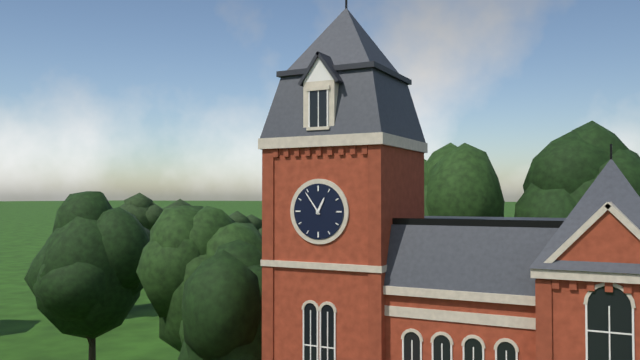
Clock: 12:54
